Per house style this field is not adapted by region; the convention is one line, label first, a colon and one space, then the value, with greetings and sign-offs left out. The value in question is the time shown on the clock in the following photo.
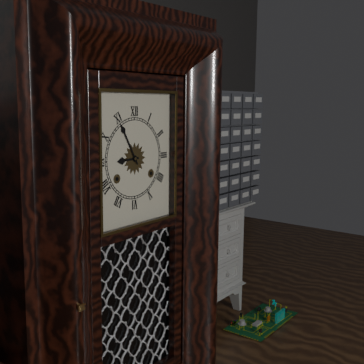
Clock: 8:55
